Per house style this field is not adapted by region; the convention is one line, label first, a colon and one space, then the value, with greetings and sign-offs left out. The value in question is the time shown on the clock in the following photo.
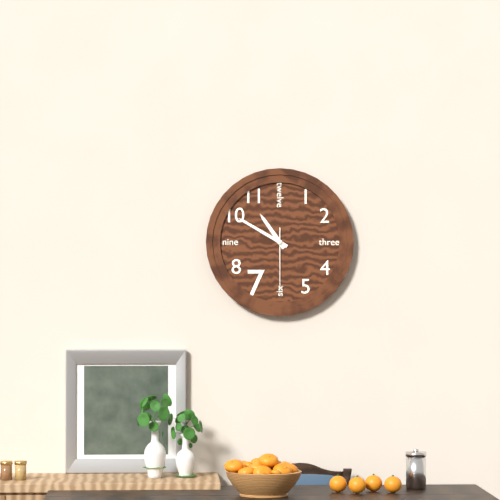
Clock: 10:50:30
